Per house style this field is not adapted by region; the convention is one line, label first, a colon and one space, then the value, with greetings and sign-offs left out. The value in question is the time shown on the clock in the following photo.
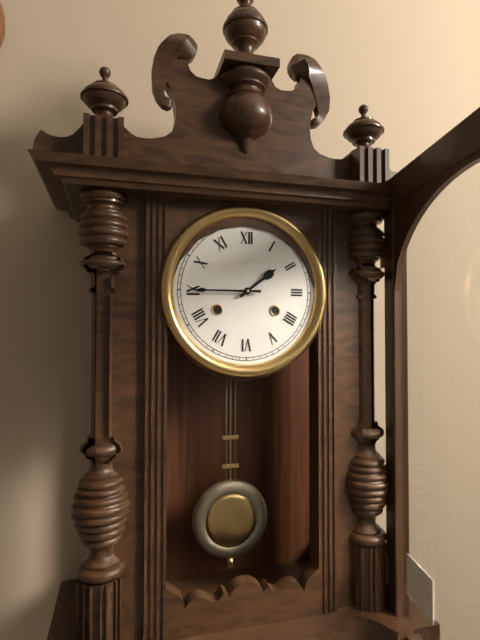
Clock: 1:45
